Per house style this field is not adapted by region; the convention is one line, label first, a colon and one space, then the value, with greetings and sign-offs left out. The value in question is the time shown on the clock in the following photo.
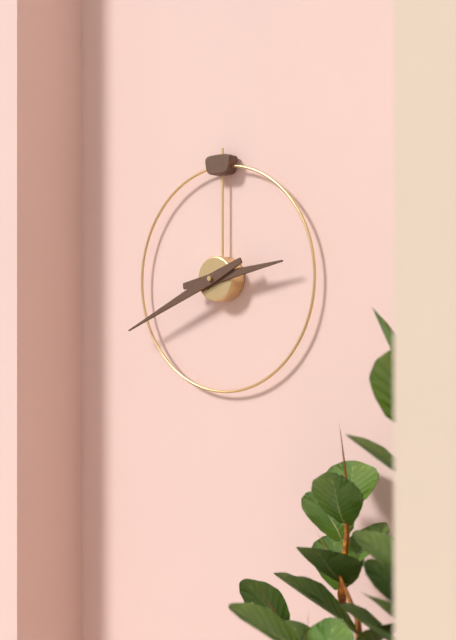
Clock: 2:41
